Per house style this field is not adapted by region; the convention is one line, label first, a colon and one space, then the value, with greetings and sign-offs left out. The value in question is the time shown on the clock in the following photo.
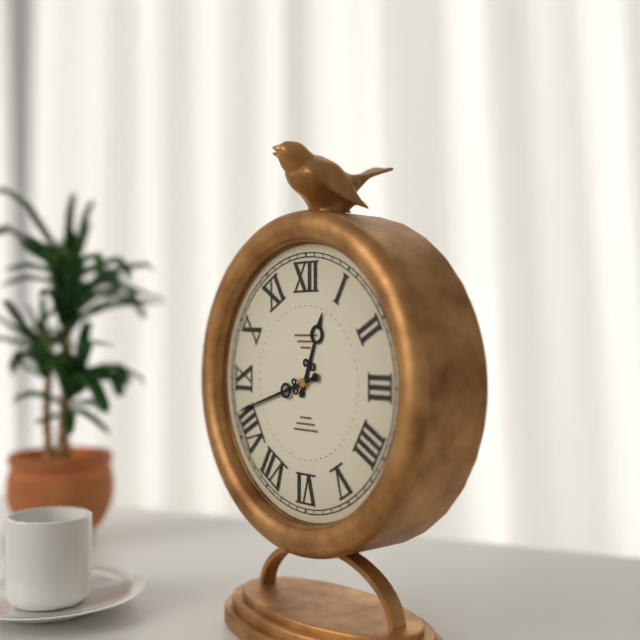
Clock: 12:42
